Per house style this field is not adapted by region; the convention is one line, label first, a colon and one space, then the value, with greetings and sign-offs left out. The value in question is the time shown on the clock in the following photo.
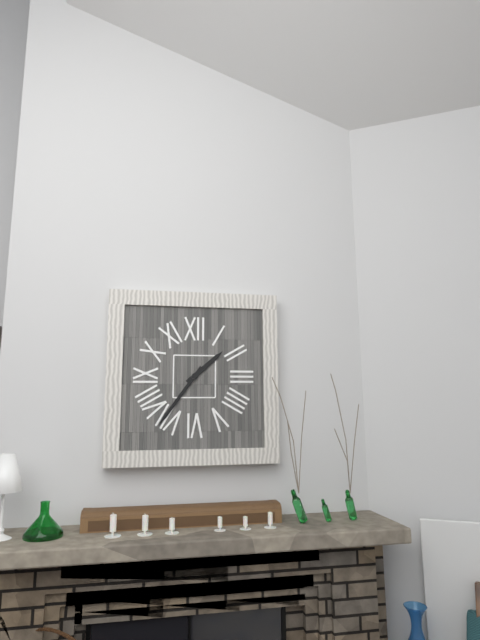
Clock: 1:36
